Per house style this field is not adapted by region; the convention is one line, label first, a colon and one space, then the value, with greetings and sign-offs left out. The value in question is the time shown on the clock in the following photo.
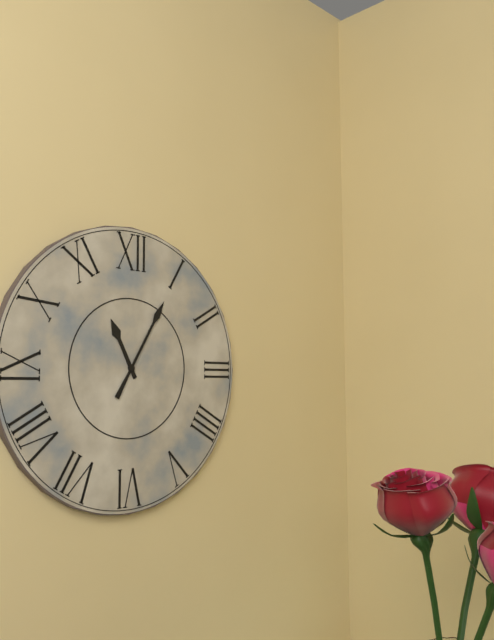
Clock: 11:05
